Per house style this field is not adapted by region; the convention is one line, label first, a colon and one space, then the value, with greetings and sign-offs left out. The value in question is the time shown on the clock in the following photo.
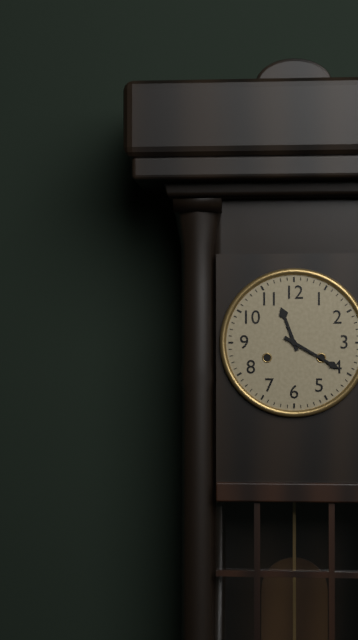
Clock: 11:20
